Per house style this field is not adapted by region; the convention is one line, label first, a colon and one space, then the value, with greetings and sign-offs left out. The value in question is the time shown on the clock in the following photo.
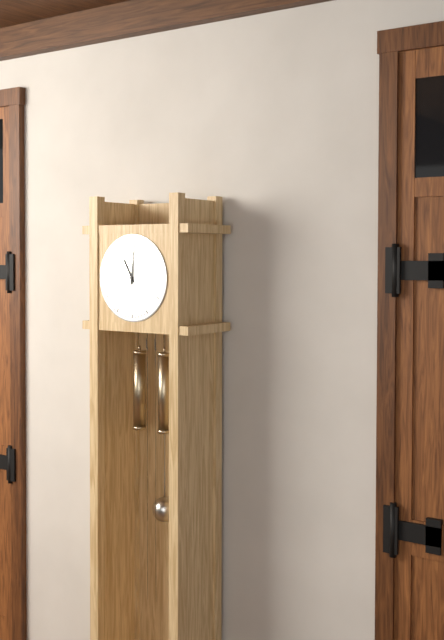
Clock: 11:01
